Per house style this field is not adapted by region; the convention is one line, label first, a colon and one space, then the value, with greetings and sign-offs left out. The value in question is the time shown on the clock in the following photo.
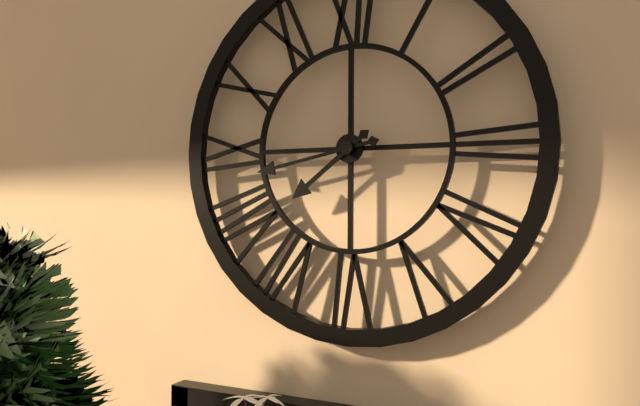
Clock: 7:43
